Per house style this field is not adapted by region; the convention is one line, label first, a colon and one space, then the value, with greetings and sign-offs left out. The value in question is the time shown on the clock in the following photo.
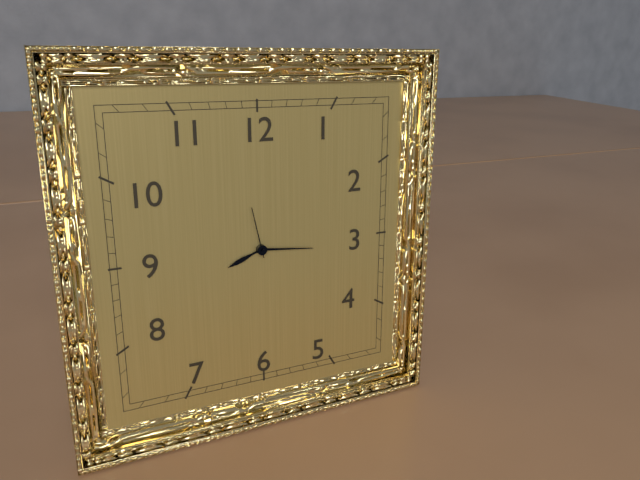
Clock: 8:16:58
